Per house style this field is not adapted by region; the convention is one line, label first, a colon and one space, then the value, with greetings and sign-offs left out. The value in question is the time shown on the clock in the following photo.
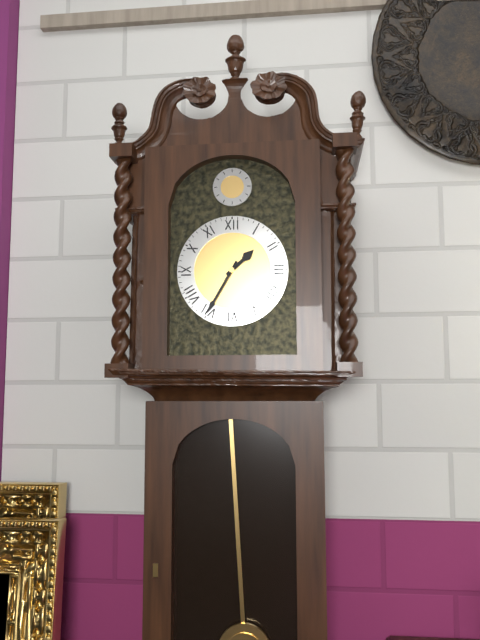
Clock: 1:35
